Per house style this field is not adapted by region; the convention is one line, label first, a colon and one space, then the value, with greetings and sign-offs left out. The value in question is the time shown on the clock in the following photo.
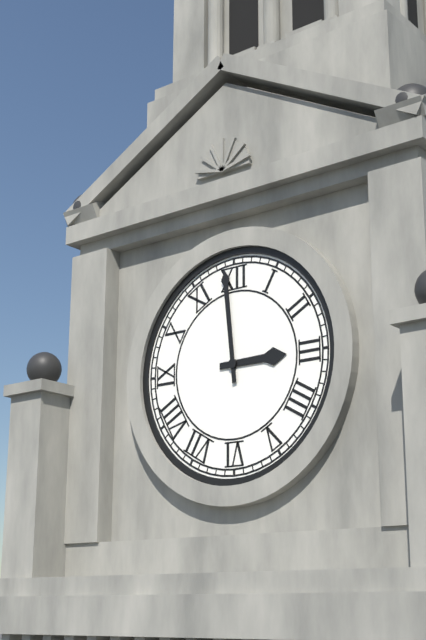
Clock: 2:59
